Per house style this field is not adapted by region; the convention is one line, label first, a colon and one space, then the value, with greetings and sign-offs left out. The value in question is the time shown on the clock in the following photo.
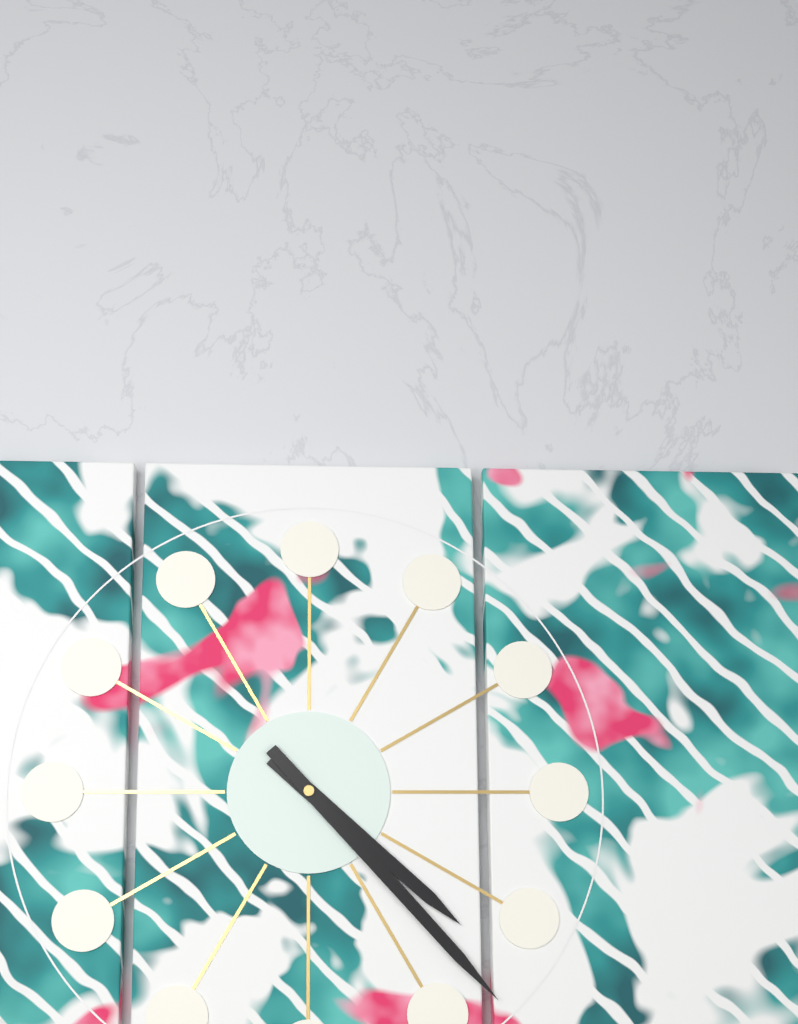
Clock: 4:23
